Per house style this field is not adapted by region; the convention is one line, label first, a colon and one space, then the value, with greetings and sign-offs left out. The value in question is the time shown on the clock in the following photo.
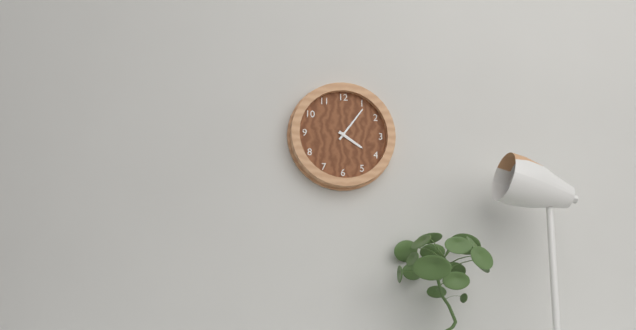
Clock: 4:06
